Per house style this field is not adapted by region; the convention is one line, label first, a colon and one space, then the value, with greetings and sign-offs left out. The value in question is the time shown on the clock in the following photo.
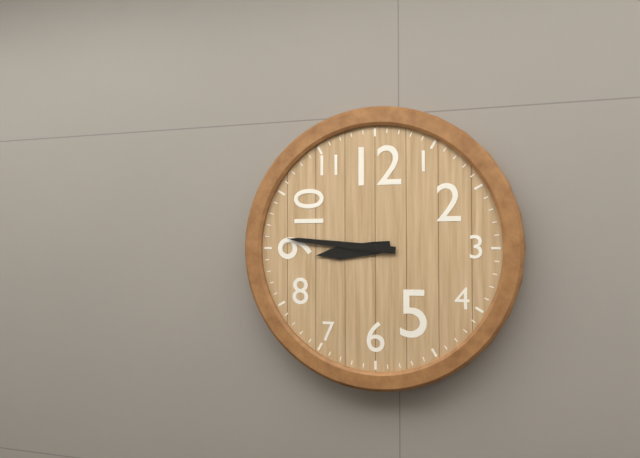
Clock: 8:46
